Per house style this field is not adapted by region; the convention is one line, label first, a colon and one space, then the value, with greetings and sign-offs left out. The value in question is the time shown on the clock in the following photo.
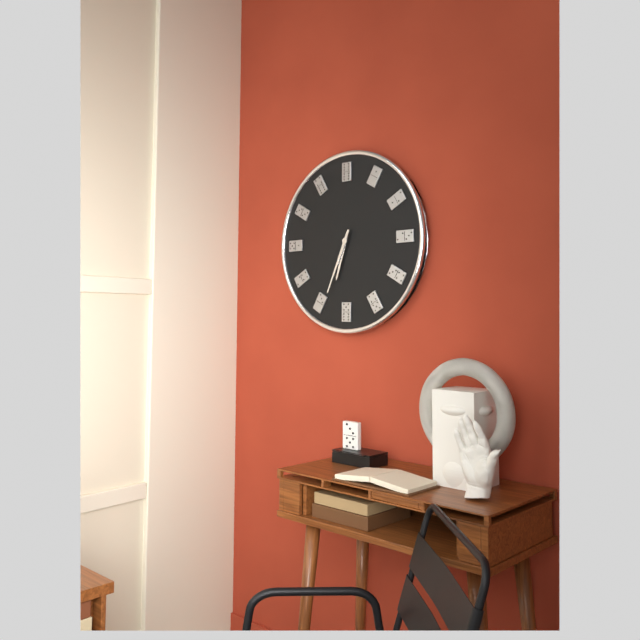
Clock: 6:34
